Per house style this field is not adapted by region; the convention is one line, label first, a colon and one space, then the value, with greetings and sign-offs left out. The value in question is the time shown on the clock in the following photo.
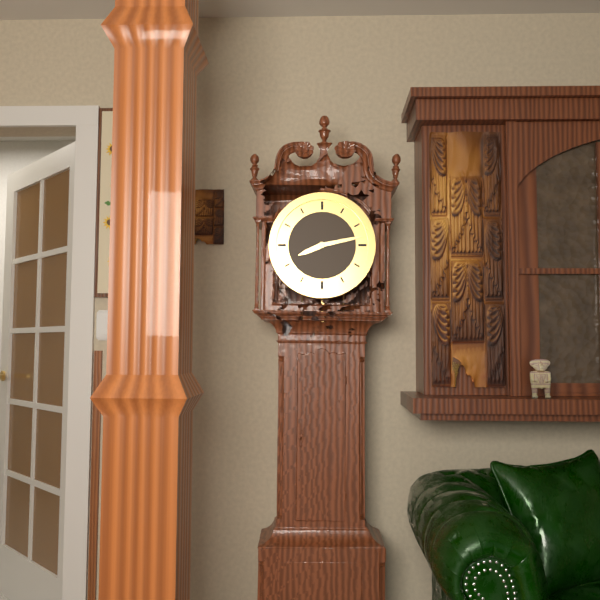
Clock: 8:13
